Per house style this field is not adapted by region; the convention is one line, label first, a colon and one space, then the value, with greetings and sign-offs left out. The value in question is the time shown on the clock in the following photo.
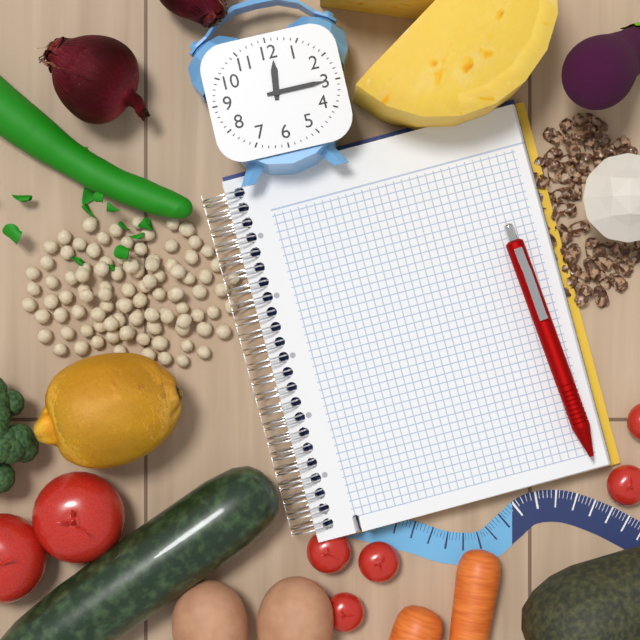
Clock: 12:15
